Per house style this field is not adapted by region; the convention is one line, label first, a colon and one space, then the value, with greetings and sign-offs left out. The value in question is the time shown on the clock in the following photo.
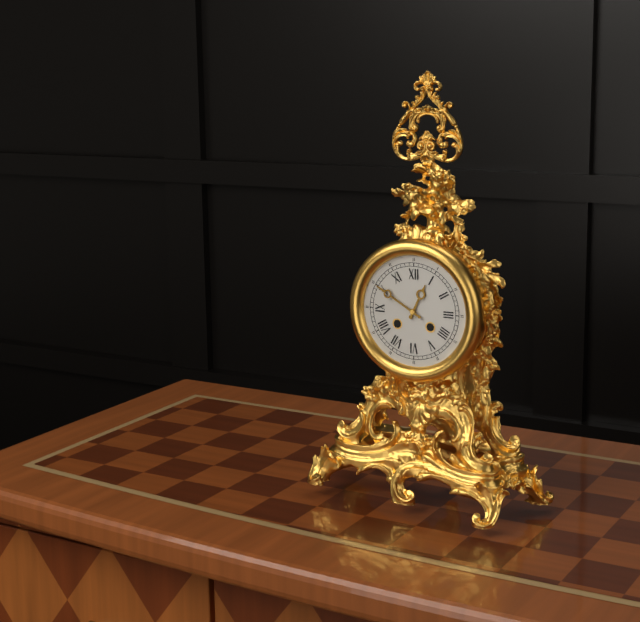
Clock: 12:50
